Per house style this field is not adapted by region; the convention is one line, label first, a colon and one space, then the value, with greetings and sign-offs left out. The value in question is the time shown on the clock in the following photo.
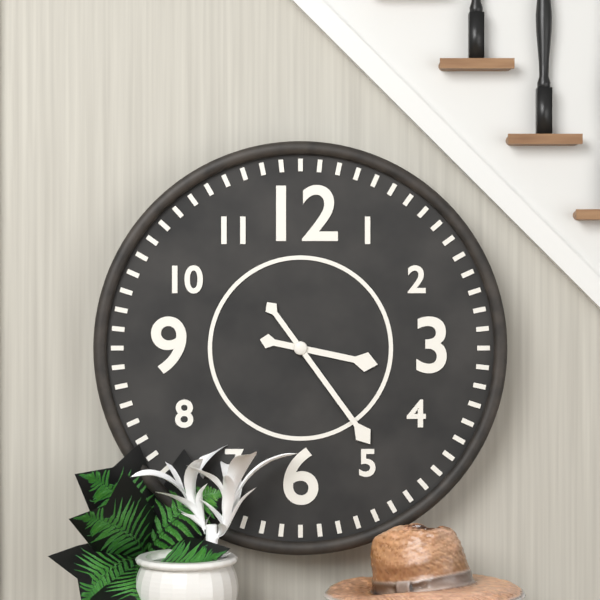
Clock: 3:24
